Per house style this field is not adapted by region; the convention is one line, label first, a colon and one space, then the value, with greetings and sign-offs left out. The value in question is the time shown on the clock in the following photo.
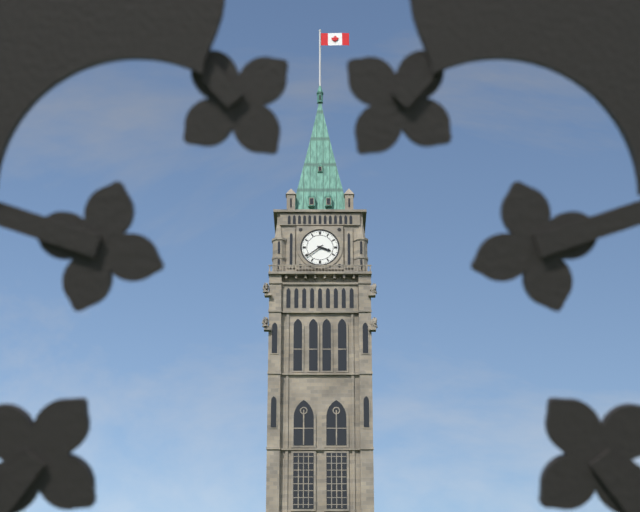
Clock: 3:39
